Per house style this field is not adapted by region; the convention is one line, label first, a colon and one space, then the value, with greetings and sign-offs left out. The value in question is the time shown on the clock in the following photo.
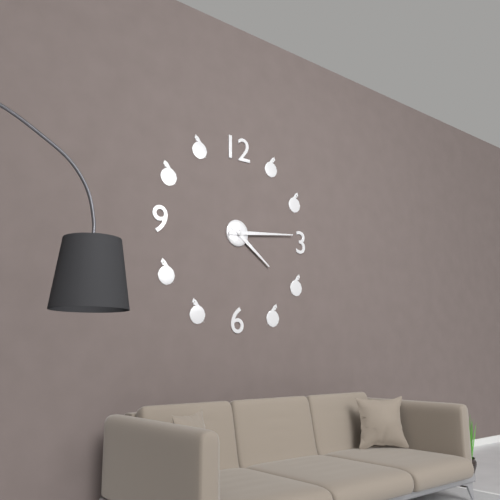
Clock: 4:14
